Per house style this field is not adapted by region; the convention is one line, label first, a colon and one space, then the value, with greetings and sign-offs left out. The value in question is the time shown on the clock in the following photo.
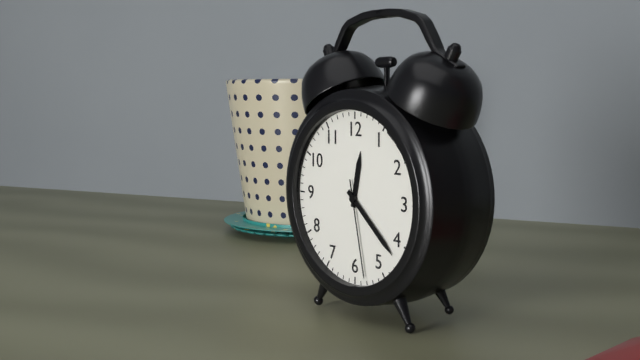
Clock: 12:22:28
